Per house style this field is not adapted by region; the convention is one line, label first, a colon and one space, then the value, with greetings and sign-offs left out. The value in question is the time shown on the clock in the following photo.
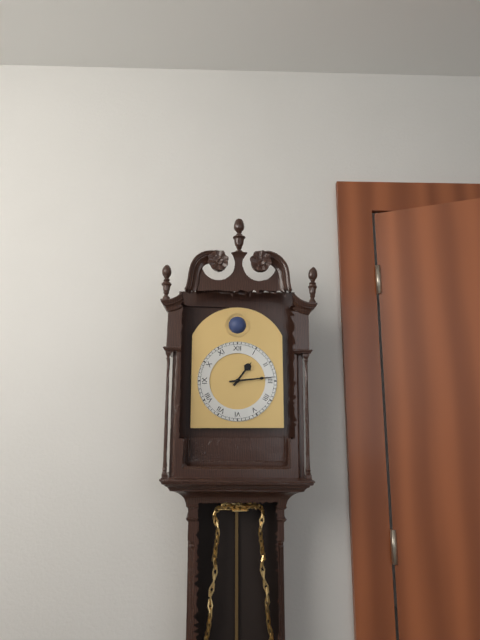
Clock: 1:14
